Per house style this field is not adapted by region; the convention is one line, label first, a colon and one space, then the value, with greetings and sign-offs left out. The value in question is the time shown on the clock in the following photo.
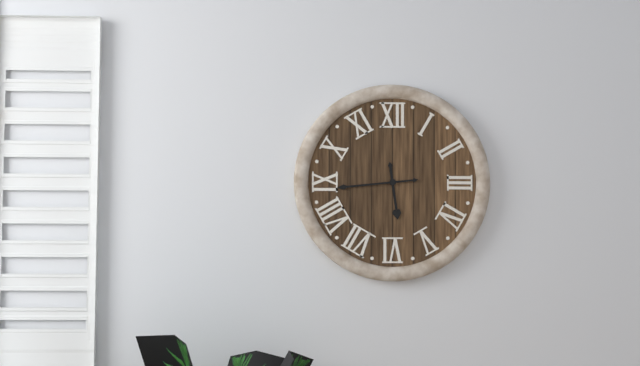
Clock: 5:44
